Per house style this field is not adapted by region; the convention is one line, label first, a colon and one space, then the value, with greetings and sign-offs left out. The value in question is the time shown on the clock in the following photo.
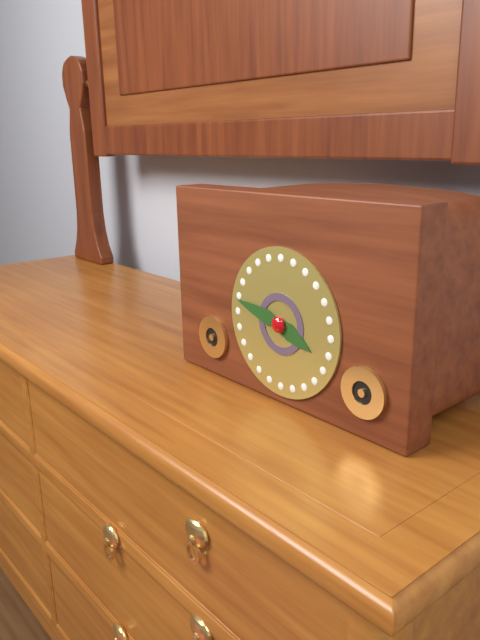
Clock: 3:47
